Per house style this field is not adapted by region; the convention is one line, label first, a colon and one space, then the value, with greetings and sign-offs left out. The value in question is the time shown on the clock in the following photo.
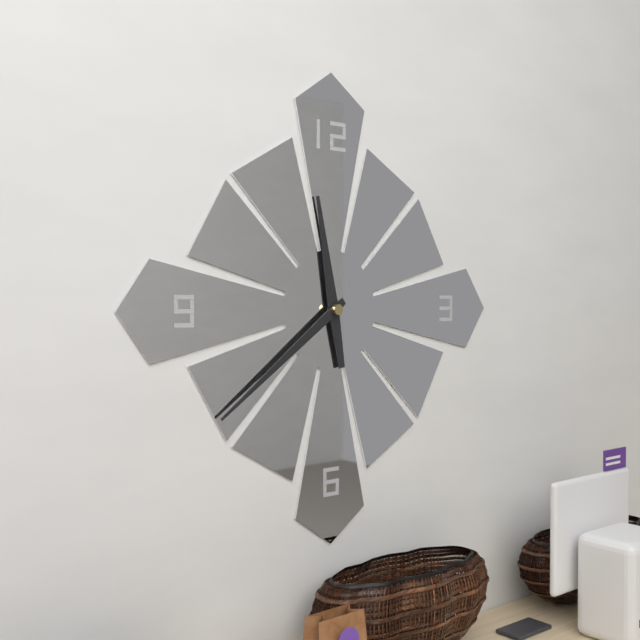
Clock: 11:39
